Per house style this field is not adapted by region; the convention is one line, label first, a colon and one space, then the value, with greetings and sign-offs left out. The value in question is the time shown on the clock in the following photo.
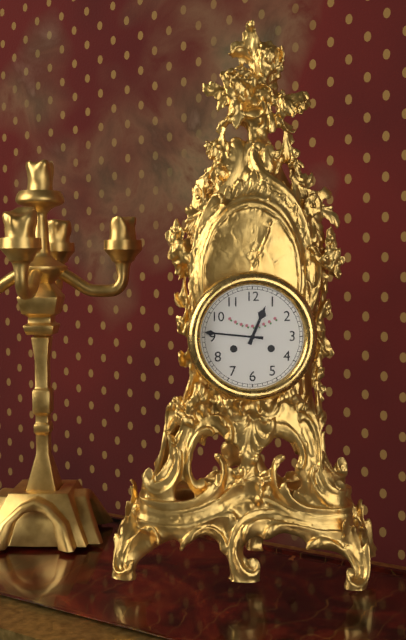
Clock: 12:46
